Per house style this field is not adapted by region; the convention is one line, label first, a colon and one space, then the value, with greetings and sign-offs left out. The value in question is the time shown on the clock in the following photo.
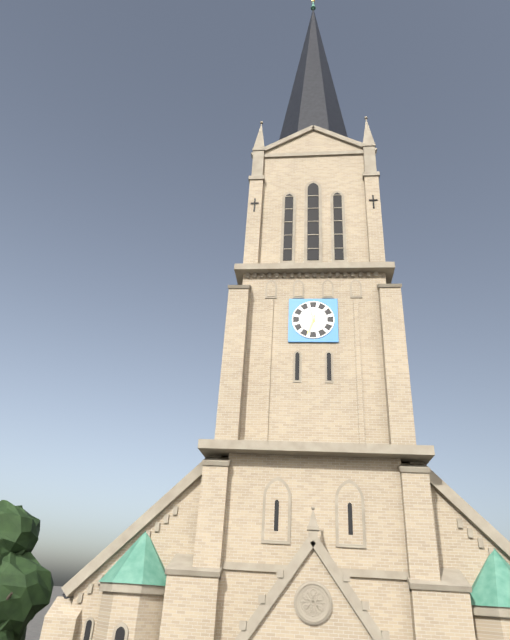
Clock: 11:33
